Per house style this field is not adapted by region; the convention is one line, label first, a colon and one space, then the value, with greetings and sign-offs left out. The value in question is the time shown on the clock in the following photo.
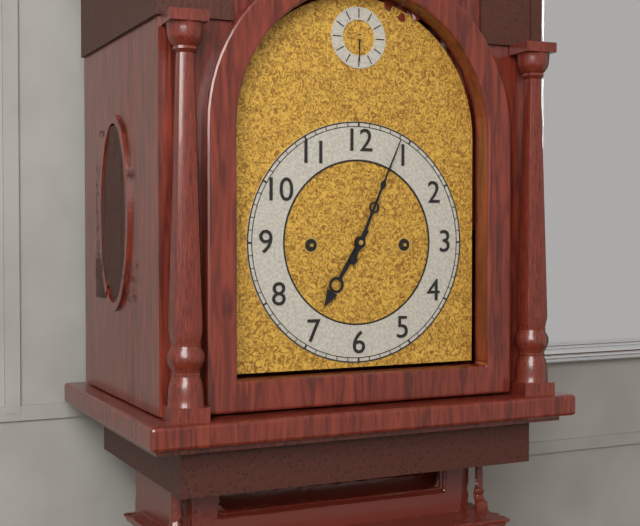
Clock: 7:04
